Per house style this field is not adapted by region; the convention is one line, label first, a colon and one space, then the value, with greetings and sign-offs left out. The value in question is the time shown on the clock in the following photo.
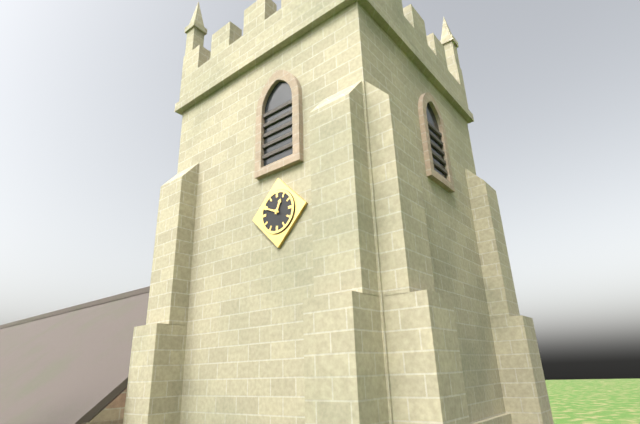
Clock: 12:49
